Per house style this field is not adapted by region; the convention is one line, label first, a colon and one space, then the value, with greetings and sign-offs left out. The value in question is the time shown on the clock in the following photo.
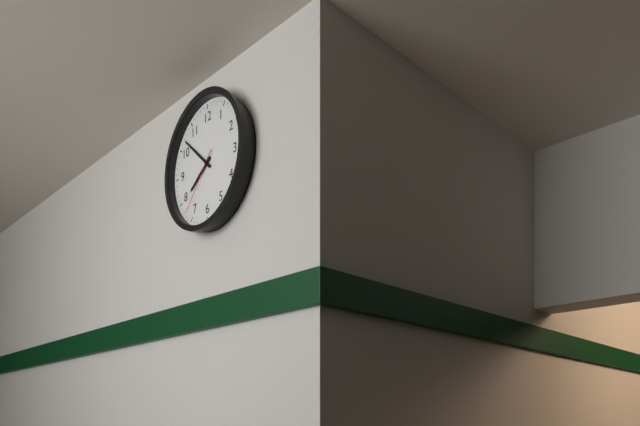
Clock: 7:52:37
